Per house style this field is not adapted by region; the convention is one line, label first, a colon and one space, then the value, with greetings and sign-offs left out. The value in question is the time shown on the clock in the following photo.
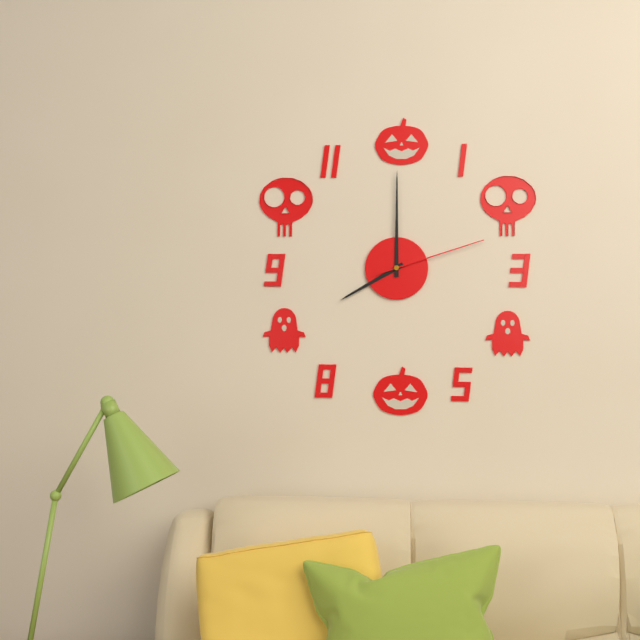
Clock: 8:00:12
